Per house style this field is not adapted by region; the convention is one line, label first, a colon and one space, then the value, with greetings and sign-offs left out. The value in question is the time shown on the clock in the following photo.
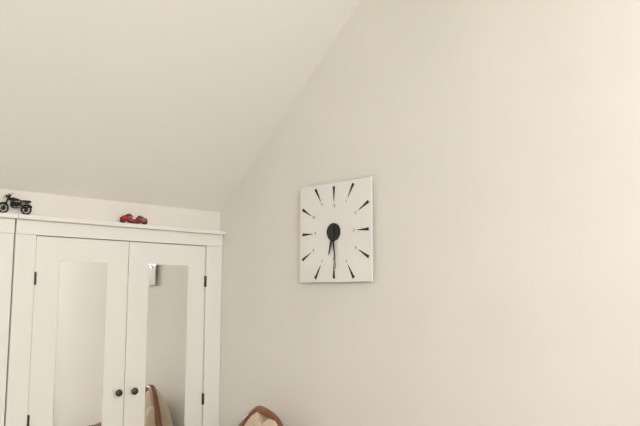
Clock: 6:29
